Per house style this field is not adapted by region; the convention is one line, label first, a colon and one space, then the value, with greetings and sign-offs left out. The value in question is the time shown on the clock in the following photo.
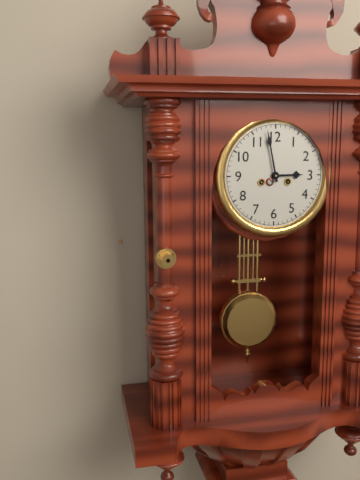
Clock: 2:58
